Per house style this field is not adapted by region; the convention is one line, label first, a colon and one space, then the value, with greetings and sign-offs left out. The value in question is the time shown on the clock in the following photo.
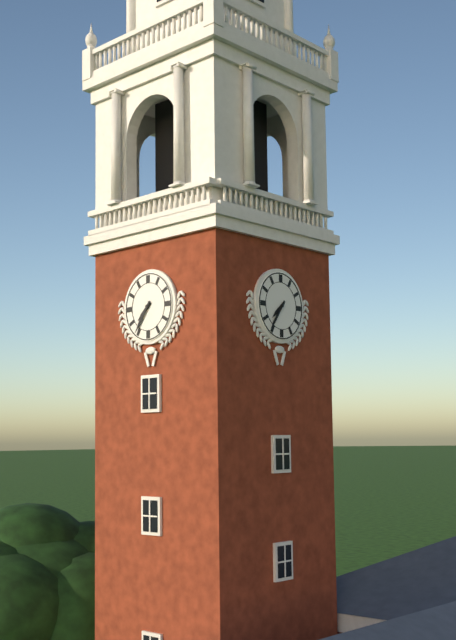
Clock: 7:36
